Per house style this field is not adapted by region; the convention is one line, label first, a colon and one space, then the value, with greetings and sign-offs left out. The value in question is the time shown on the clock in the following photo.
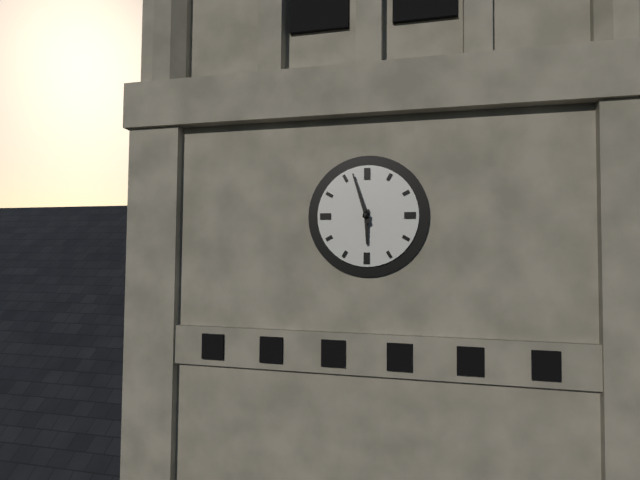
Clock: 5:57
